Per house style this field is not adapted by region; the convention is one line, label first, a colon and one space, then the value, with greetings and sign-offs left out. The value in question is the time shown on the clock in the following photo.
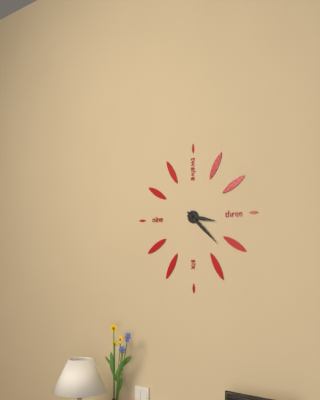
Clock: 3:22
